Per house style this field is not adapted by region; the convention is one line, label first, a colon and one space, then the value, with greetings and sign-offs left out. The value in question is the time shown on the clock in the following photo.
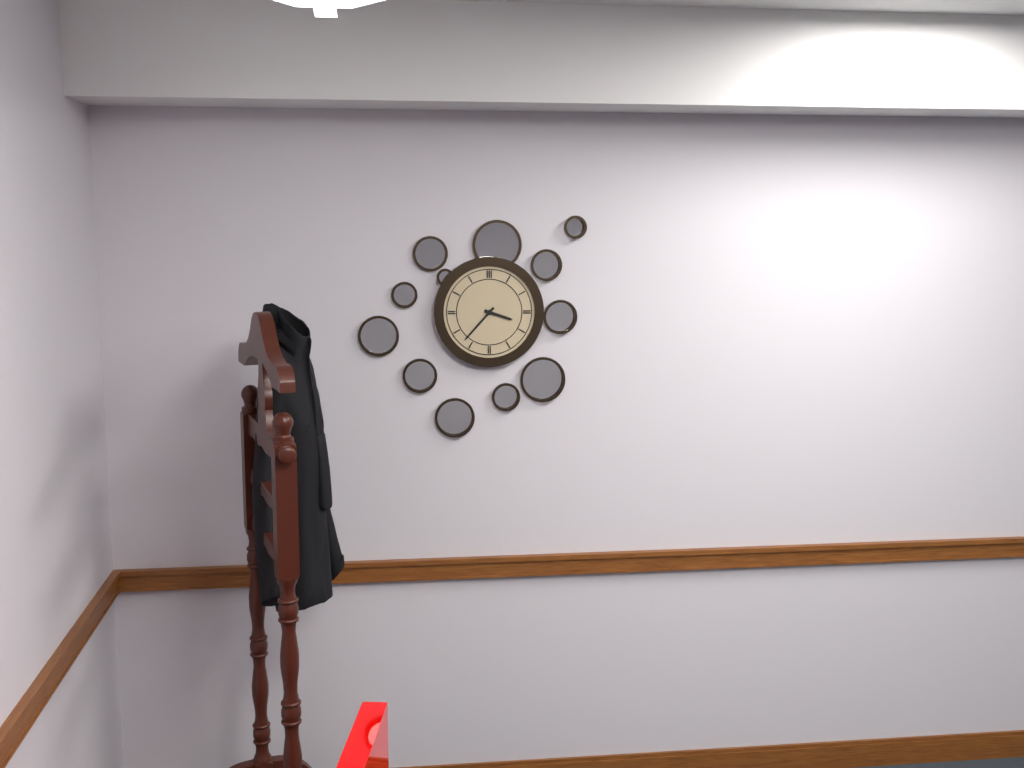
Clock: 3:37
